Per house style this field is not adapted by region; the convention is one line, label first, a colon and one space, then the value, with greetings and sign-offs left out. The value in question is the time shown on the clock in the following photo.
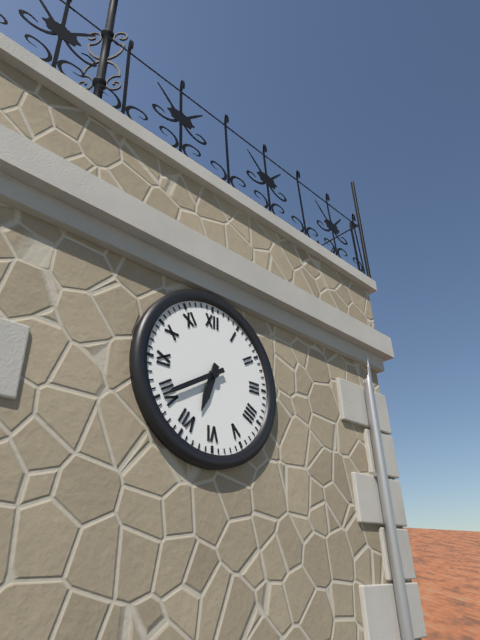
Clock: 6:40
